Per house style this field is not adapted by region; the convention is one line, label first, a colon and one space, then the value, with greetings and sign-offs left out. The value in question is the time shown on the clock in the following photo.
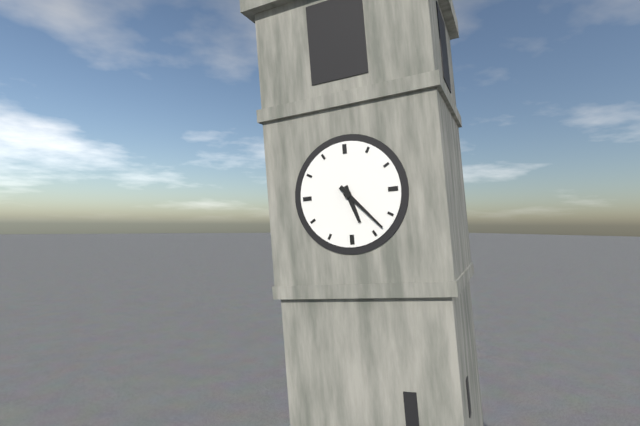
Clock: 5:23
